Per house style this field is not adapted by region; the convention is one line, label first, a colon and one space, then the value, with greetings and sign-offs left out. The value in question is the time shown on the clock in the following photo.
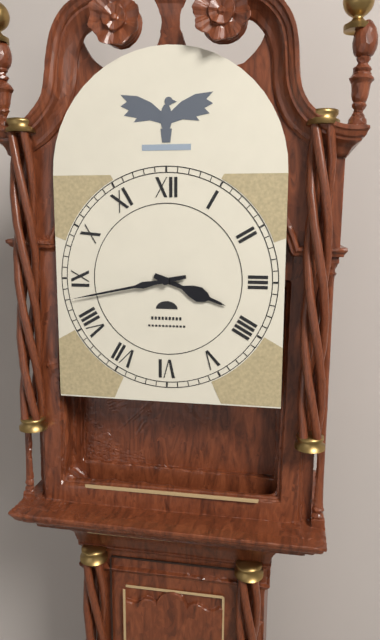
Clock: 3:43
